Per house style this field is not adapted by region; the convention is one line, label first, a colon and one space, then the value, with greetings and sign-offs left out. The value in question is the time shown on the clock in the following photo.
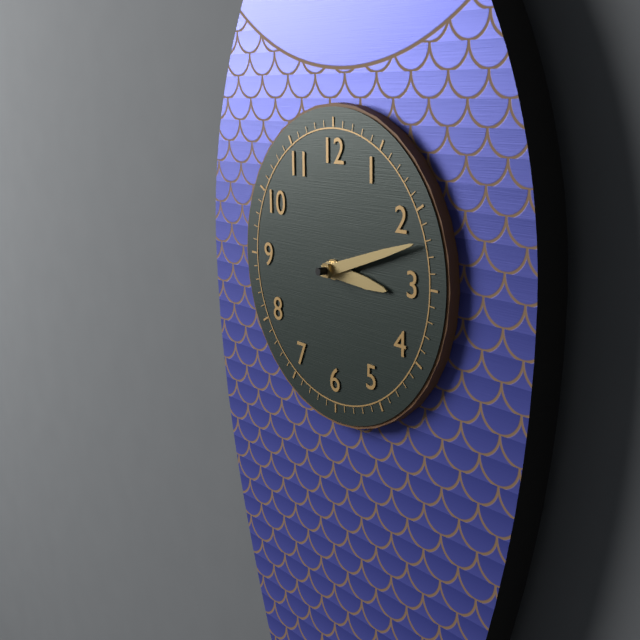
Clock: 3:12
